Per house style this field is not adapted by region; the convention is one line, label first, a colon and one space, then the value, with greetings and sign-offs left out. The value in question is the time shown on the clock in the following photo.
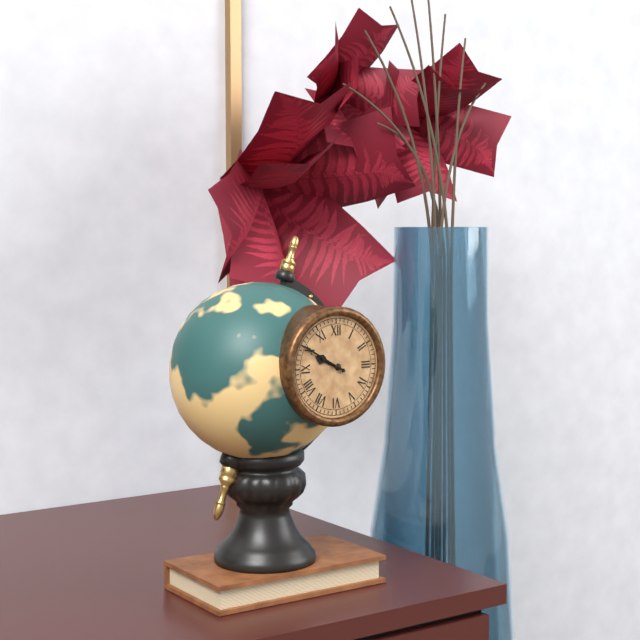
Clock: 9:50
